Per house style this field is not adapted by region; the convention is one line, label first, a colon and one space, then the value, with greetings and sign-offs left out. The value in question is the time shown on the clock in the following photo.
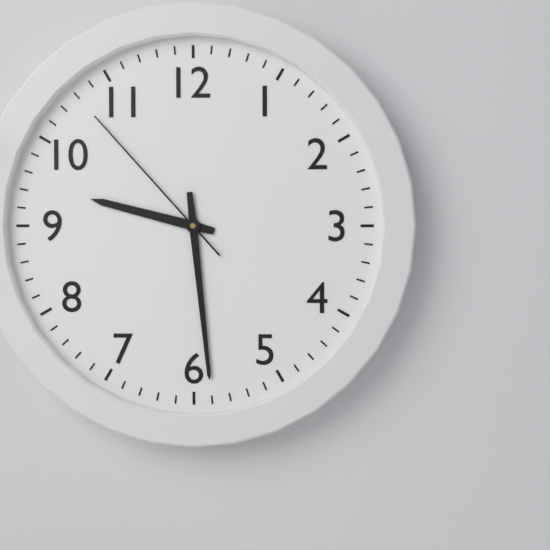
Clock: 9:29:53
